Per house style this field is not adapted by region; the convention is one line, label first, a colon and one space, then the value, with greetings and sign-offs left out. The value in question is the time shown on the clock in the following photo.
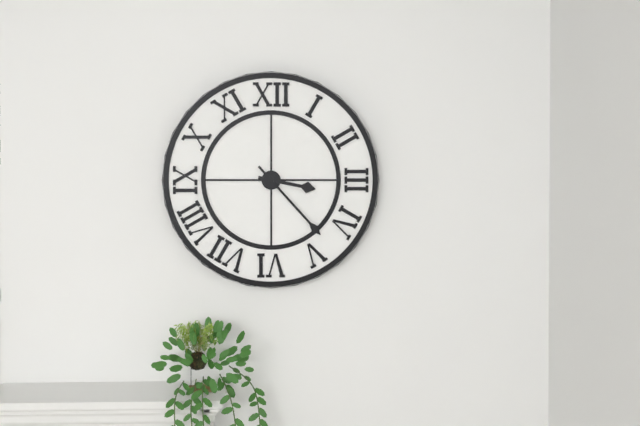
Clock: 3:23
